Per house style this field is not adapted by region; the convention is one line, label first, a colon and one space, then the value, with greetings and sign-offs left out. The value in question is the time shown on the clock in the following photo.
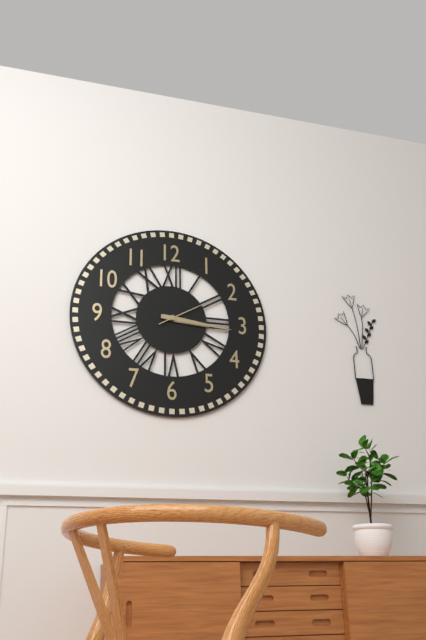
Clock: 3:16:10
